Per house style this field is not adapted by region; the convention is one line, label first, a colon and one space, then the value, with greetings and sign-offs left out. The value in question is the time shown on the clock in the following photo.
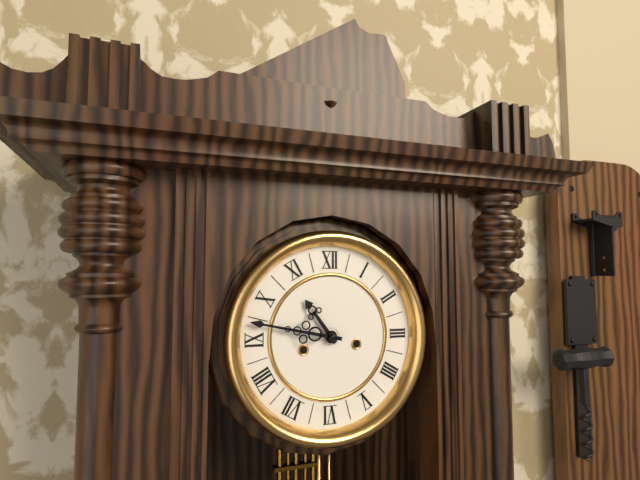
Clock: 10:47
